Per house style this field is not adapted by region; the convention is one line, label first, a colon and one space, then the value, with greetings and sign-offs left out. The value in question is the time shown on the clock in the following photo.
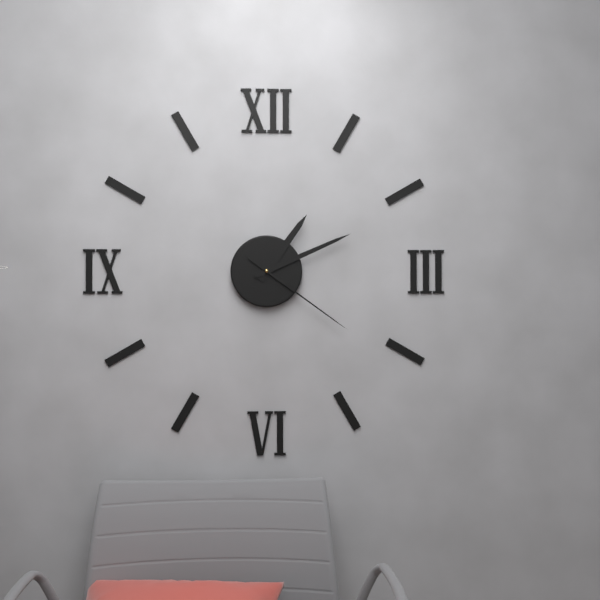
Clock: 1:11:21
